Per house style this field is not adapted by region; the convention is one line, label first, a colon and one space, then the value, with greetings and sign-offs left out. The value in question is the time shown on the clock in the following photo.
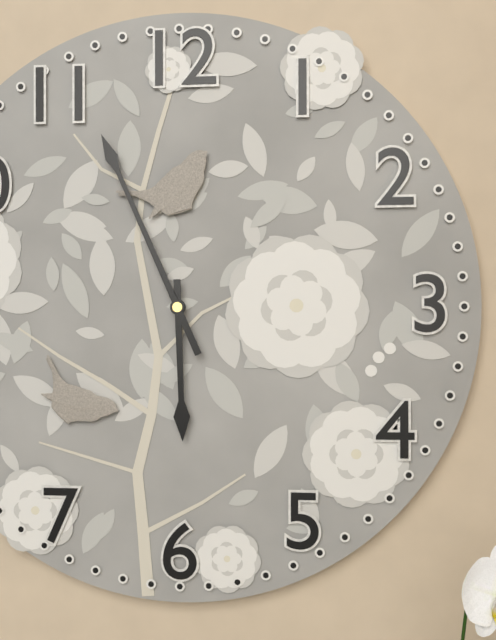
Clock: 5:56
